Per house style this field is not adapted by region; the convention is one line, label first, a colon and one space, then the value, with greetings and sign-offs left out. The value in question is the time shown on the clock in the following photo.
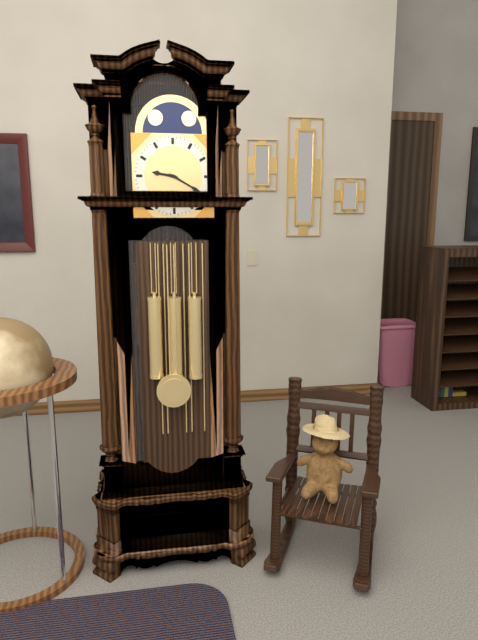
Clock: 9:20
